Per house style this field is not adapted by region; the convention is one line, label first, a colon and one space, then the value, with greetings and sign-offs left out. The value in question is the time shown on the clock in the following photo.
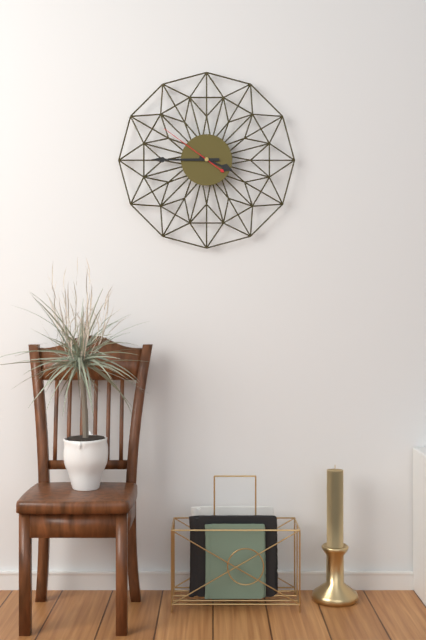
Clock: 3:45:51
